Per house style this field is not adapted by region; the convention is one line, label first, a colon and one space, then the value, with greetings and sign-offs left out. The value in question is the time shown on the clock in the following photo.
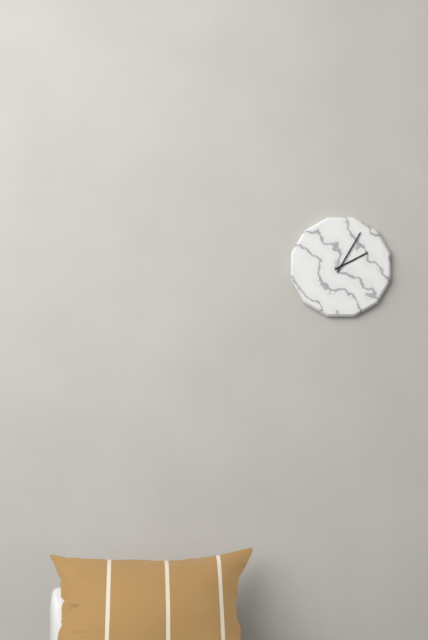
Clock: 2:05
